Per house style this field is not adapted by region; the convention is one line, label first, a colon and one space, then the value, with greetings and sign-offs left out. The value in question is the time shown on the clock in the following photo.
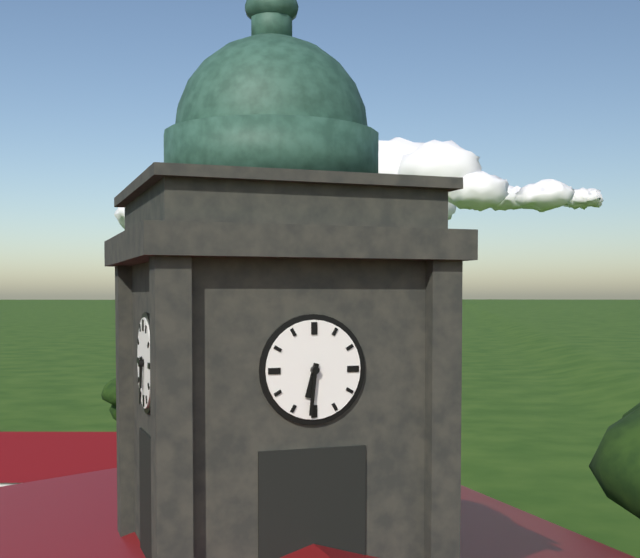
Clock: 6:31
